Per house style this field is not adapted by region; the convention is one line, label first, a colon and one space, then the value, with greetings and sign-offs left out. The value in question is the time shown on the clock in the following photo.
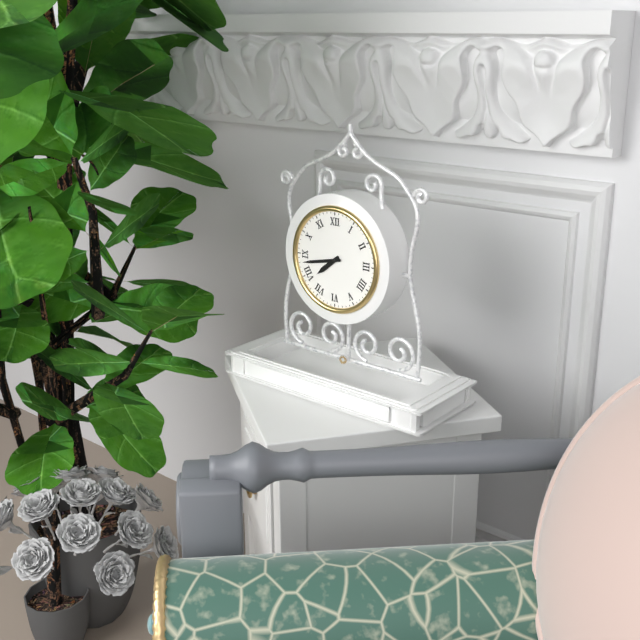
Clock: 7:43
